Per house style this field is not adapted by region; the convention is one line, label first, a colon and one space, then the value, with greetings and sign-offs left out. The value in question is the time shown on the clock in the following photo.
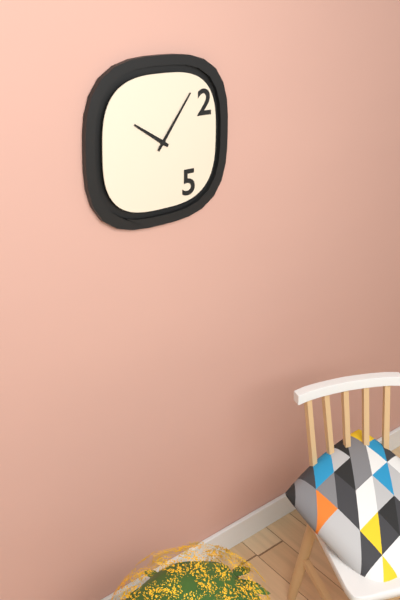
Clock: 10:06
